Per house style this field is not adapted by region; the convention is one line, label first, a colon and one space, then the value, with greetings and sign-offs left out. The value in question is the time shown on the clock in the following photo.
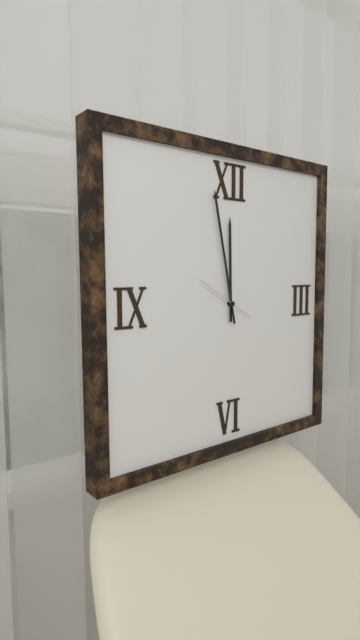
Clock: 11:58:50
